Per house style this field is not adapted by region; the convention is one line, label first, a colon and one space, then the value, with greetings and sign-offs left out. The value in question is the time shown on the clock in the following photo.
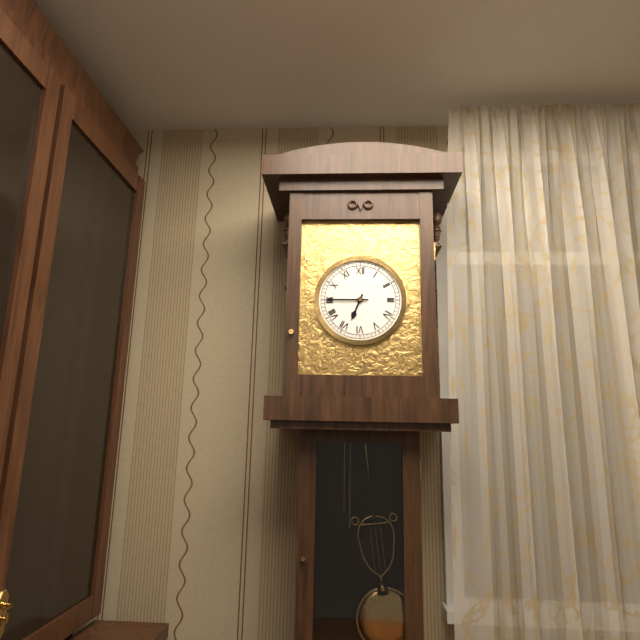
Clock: 6:45
